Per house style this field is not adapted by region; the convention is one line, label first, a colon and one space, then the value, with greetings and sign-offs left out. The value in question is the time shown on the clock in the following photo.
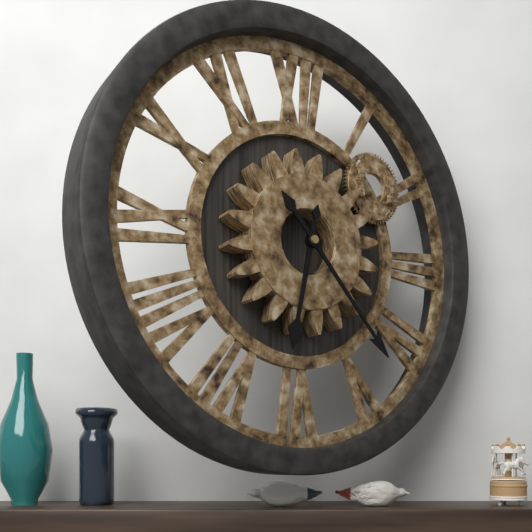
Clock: 6:23
